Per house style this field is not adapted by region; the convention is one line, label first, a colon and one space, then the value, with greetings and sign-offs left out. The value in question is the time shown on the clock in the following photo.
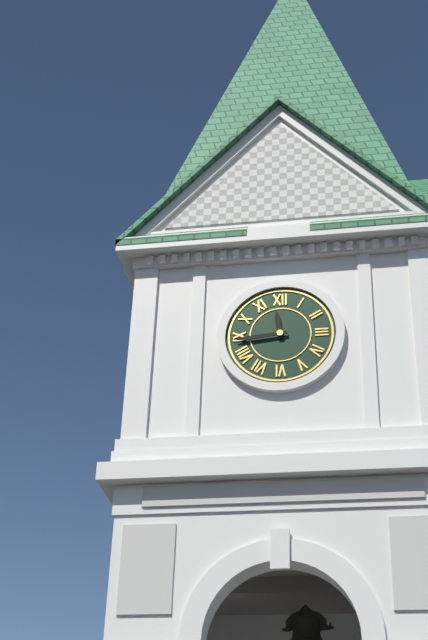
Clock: 11:44
